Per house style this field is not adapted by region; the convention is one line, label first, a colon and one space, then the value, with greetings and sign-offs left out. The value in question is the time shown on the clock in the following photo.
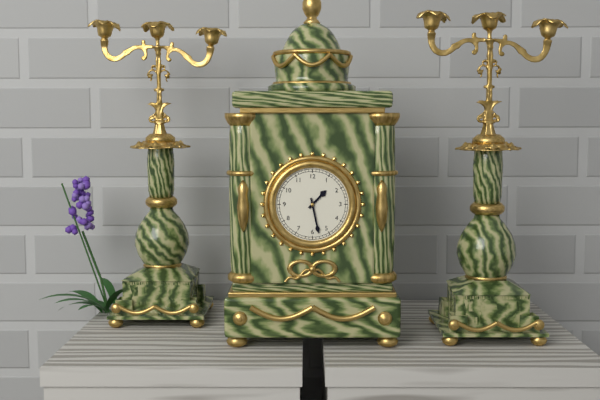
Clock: 1:28
